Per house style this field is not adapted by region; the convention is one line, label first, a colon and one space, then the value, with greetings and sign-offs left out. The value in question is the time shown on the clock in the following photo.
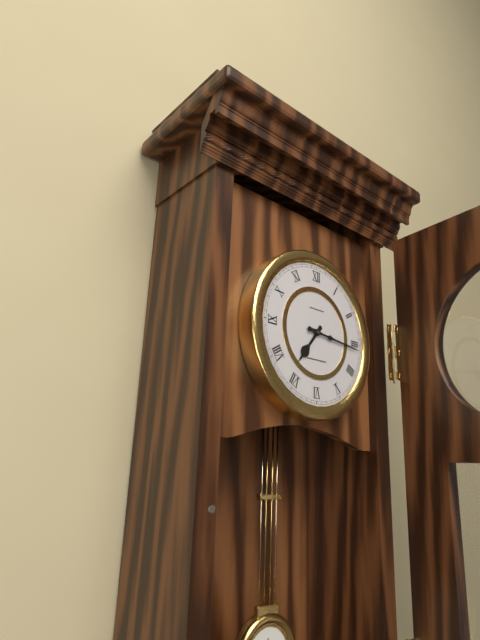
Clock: 7:16
